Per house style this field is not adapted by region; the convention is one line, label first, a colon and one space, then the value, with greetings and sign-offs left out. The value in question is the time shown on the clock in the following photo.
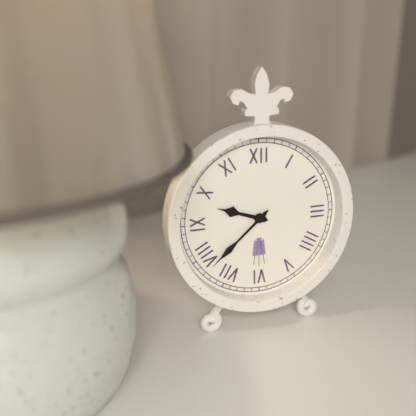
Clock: 9:38
